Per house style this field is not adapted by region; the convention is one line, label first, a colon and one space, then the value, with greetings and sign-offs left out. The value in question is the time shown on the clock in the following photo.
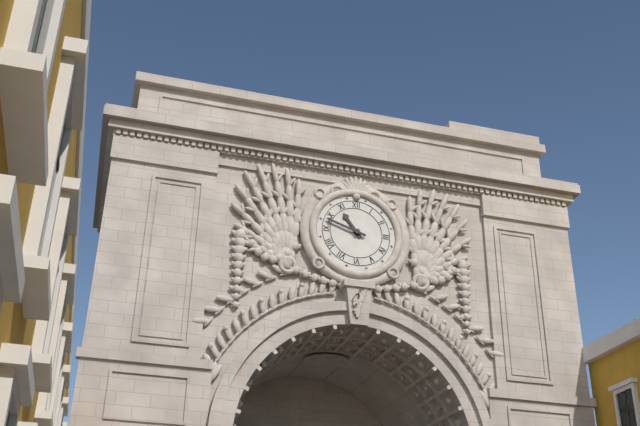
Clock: 10:48
